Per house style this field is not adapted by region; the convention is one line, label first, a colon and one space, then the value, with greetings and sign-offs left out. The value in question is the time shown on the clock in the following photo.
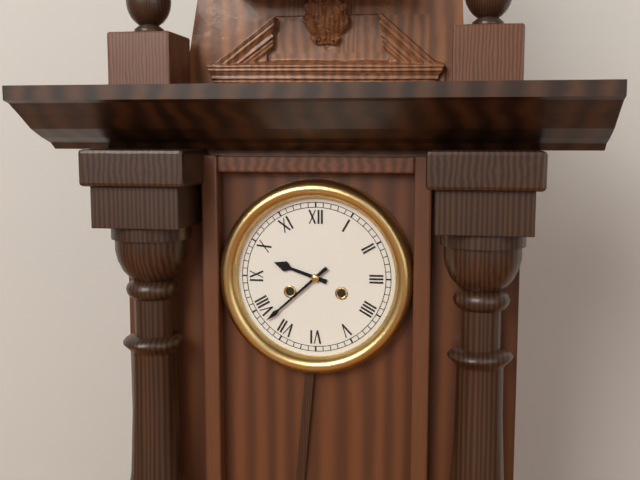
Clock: 9:38
